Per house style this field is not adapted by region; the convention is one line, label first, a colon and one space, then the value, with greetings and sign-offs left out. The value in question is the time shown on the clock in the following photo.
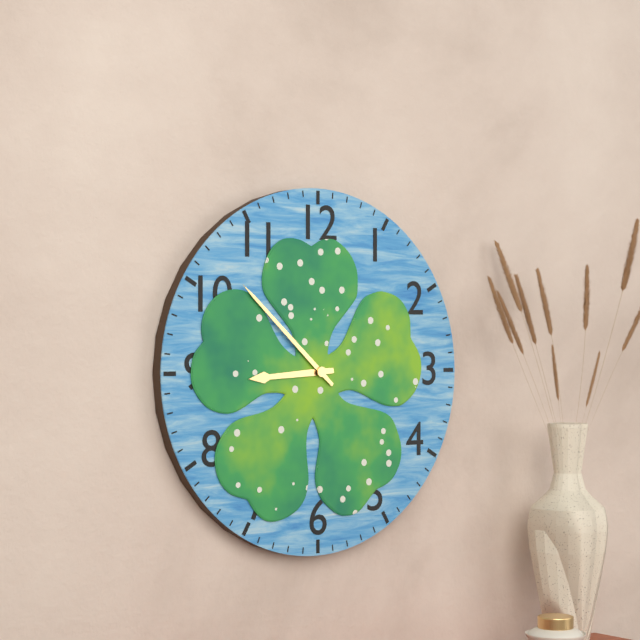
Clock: 8:52
